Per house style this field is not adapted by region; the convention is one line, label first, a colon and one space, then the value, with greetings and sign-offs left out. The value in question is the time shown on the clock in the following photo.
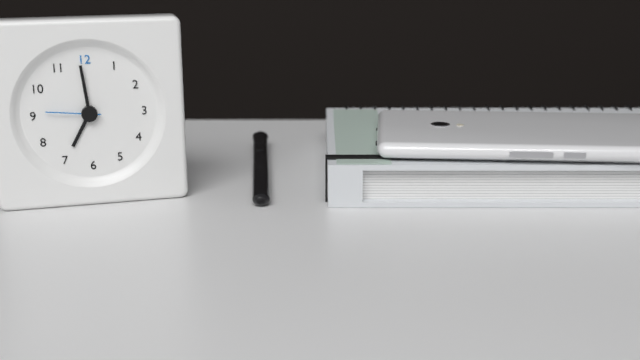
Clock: 6:59:46
